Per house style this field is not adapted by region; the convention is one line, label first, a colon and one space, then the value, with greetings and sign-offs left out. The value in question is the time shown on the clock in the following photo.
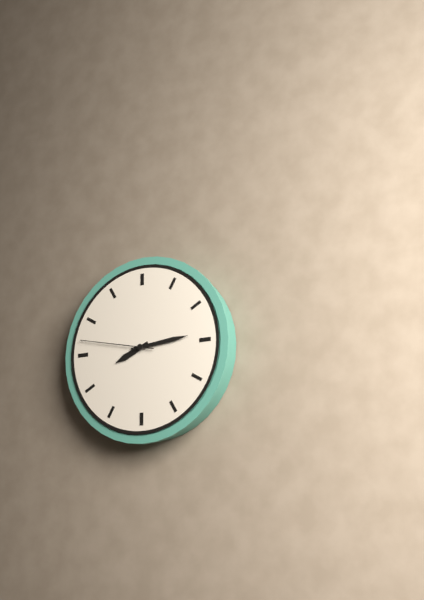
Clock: 8:14:47
